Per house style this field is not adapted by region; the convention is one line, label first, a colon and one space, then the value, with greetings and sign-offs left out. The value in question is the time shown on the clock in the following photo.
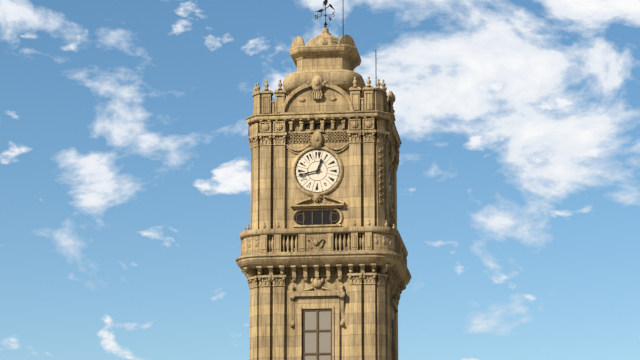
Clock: 12:43
